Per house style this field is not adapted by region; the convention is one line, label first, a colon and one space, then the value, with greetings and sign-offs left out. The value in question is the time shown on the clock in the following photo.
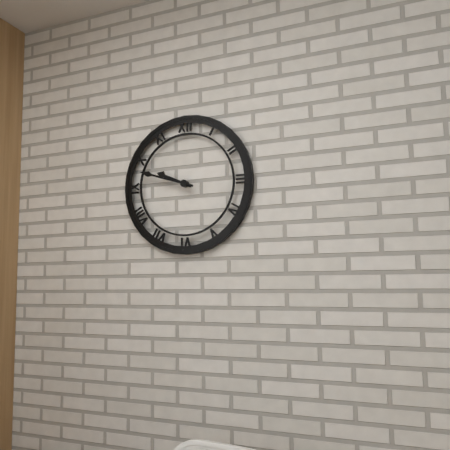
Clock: 9:48
